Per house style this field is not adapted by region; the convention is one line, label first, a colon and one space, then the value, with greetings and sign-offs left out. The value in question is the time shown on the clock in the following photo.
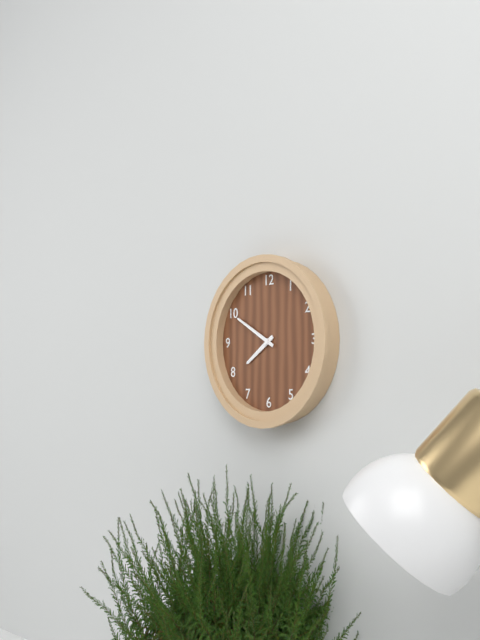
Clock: 7:50
